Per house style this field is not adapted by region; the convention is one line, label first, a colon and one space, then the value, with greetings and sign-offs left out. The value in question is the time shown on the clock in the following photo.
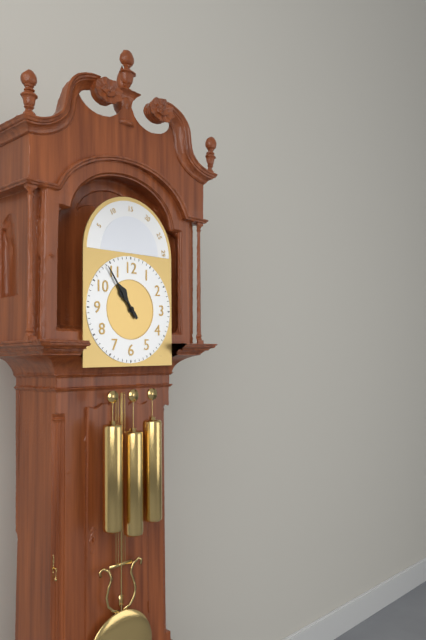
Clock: 10:54
